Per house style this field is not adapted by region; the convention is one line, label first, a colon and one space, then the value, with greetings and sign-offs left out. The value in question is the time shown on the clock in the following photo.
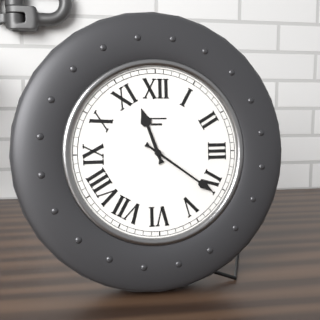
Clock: 11:21
